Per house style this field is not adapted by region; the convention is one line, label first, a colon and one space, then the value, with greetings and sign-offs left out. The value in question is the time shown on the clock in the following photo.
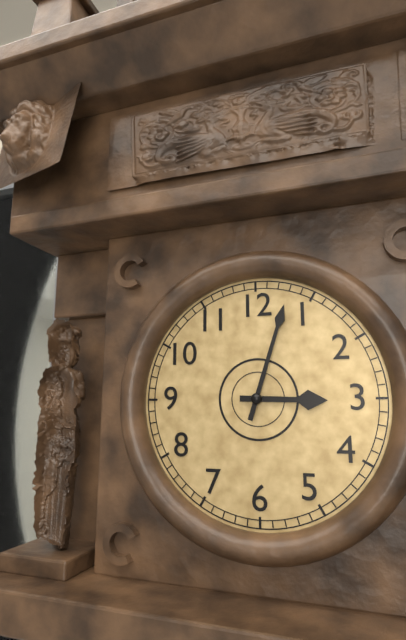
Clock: 3:03
